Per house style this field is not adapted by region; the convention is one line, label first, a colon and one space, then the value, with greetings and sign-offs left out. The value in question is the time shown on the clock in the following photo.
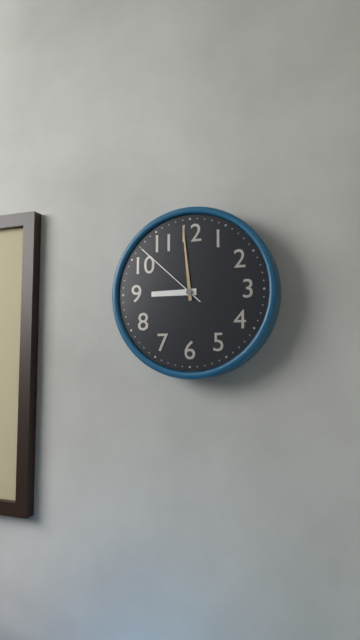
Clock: 8:59:52
